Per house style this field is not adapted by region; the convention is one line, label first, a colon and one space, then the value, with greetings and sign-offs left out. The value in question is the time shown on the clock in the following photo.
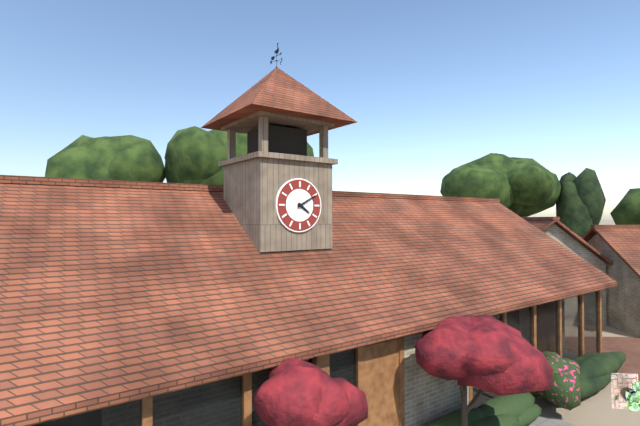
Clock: 4:10
